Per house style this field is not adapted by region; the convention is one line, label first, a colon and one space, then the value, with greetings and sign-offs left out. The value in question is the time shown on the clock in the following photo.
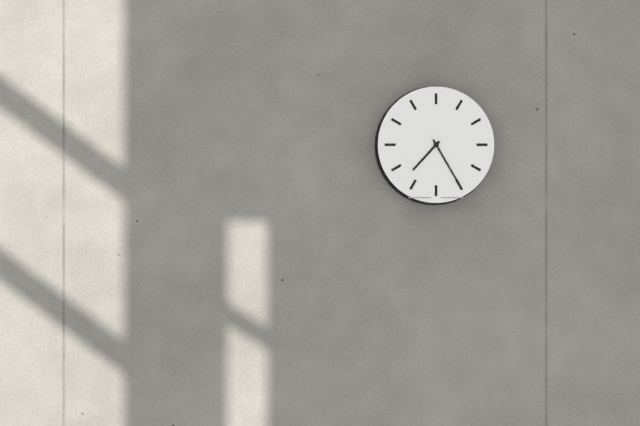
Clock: 7:25
